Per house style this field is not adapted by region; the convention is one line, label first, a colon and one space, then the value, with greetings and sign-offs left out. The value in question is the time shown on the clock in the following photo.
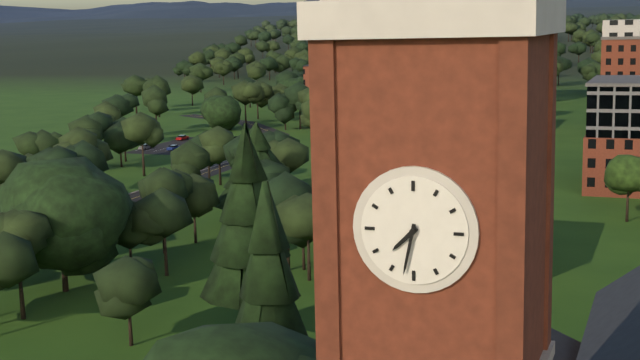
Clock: 7:32
